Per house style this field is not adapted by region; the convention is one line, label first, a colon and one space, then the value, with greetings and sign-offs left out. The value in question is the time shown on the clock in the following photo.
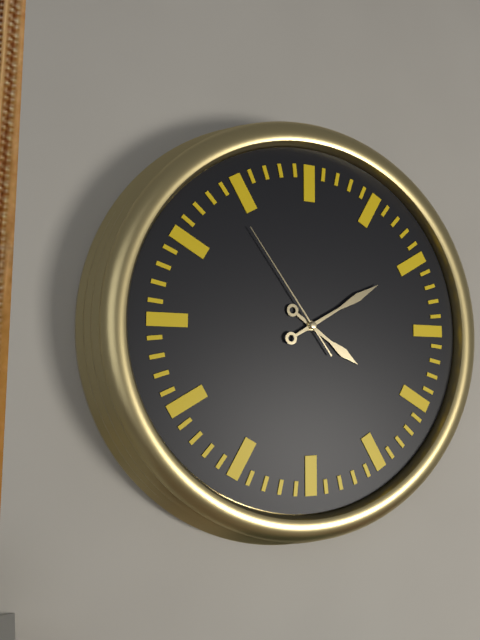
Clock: 4:10:54
